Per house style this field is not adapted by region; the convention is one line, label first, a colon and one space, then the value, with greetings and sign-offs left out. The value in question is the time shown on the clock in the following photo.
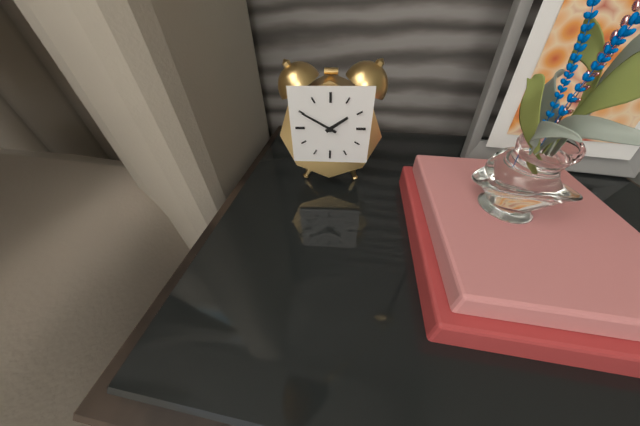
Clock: 1:50
